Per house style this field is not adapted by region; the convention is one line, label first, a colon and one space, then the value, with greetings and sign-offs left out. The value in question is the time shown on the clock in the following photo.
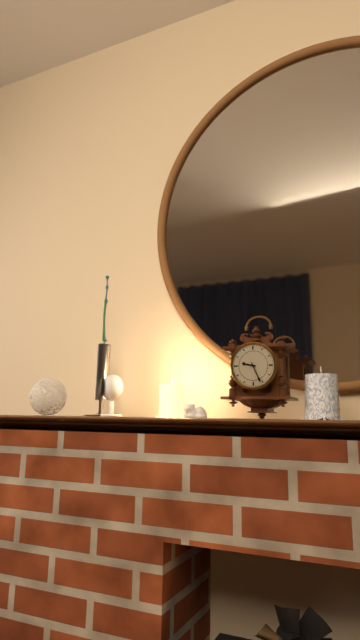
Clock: 9:26
